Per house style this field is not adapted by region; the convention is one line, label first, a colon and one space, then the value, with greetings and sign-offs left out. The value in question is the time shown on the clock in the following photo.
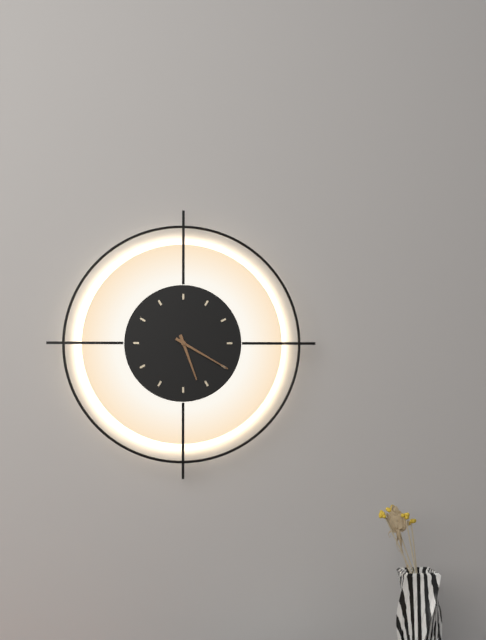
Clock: 5:20
